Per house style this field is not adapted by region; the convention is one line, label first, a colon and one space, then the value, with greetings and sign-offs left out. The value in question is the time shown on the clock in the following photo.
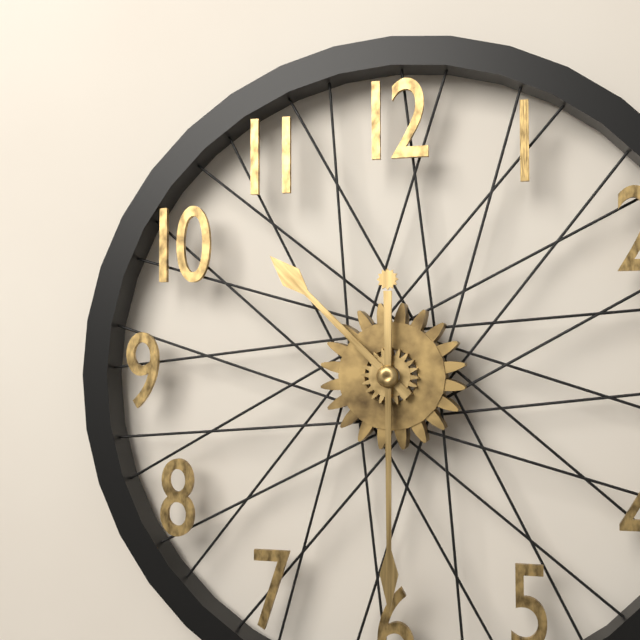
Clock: 10:30
